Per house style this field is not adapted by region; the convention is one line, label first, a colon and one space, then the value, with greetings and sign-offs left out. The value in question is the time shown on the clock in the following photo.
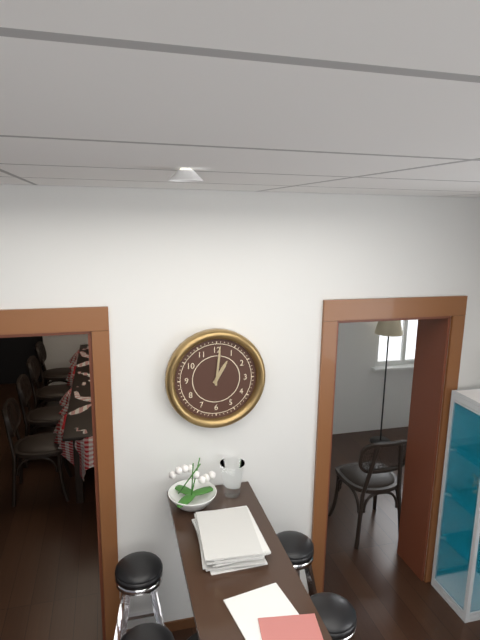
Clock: 1:01
